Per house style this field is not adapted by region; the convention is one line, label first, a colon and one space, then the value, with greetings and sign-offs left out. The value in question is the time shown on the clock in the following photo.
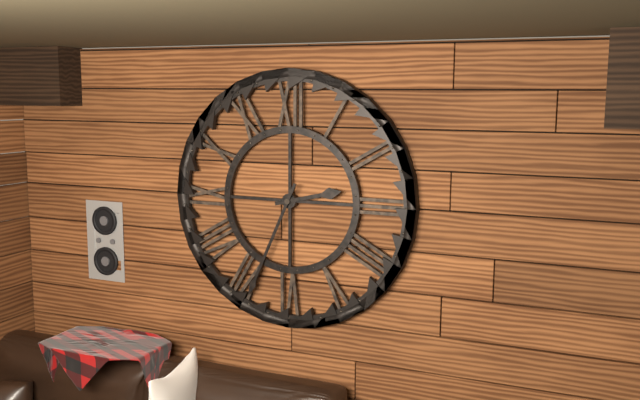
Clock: 2:34
